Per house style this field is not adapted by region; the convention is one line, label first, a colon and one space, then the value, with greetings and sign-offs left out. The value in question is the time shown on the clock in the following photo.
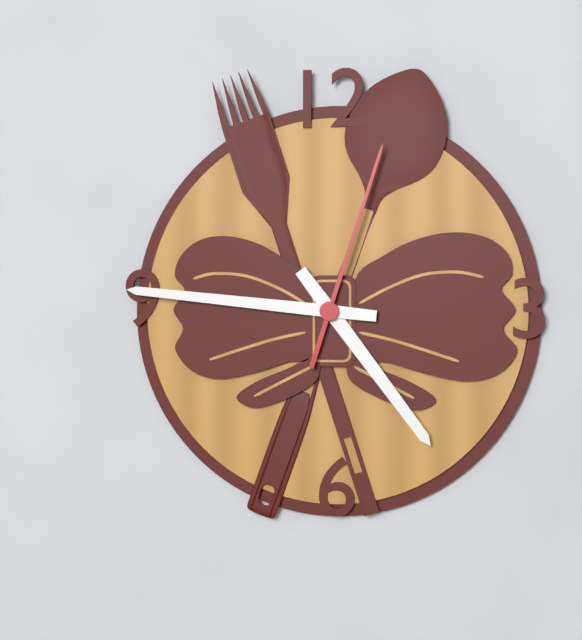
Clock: 4:46:03
